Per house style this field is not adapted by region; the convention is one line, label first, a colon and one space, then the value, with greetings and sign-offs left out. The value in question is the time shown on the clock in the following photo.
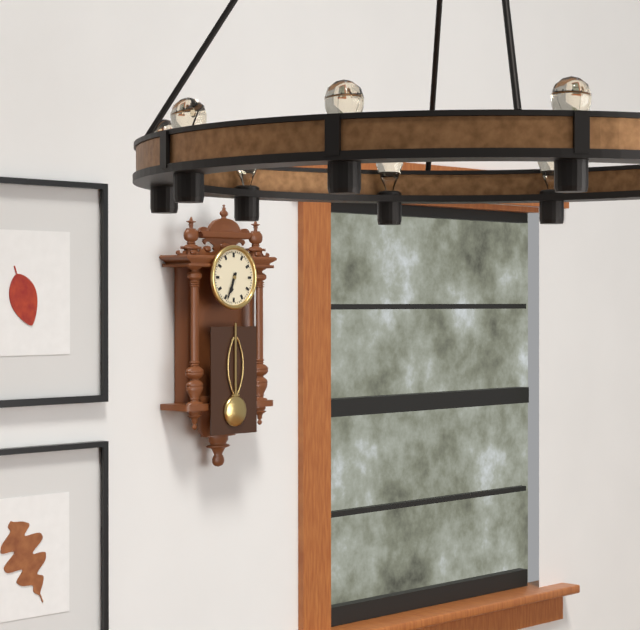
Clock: 6:34
